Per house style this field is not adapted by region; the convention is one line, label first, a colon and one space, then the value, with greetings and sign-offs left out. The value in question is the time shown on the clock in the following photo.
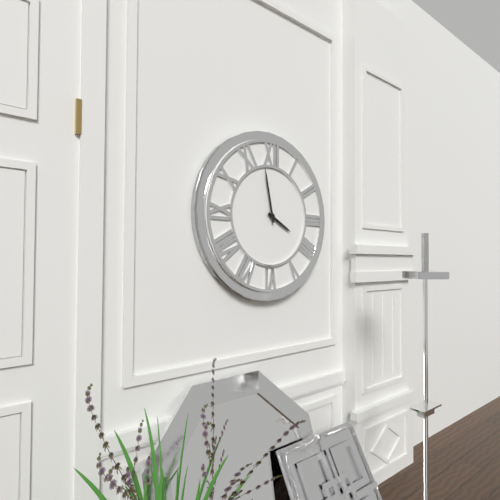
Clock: 3:58
